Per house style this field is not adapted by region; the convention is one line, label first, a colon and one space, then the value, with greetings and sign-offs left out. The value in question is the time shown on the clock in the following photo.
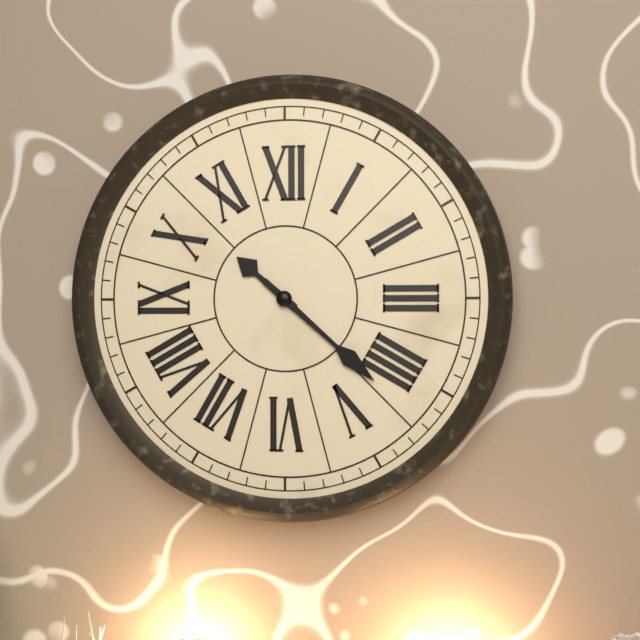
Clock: 10:22
